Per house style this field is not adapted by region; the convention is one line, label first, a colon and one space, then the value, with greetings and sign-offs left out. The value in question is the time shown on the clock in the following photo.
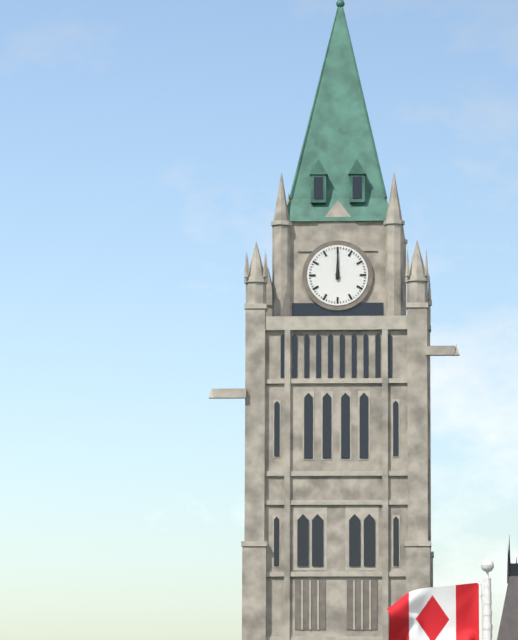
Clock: 12:00
